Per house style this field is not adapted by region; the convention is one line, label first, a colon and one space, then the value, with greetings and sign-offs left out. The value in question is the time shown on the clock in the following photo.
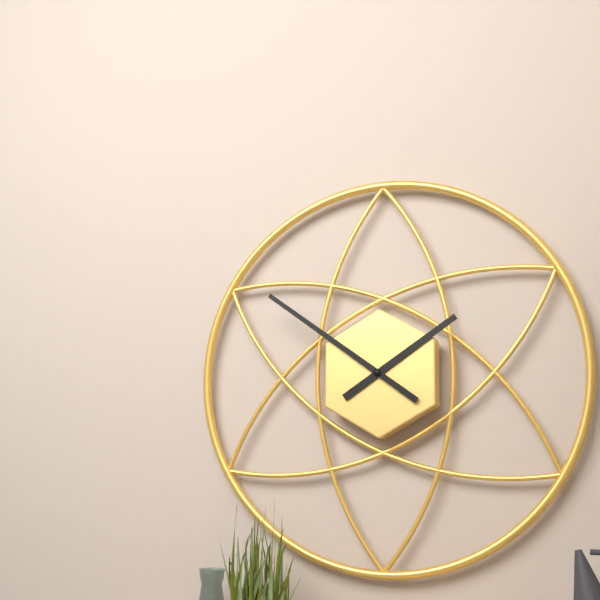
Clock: 1:51
